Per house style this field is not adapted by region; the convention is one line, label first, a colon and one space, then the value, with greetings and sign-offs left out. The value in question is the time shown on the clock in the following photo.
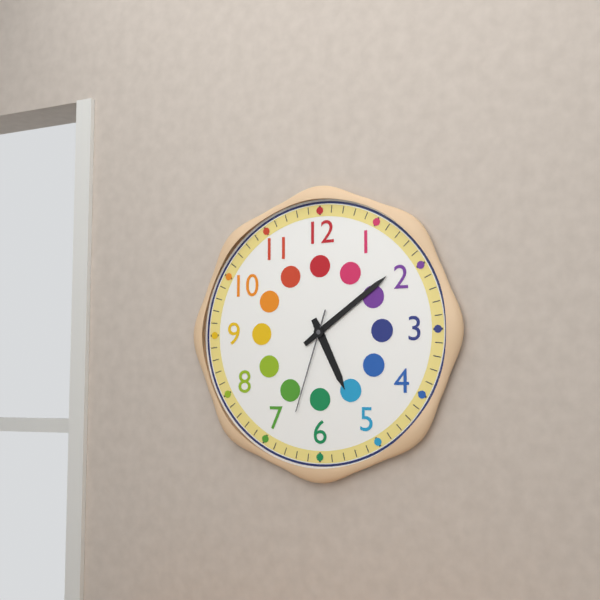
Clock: 5:09:33
